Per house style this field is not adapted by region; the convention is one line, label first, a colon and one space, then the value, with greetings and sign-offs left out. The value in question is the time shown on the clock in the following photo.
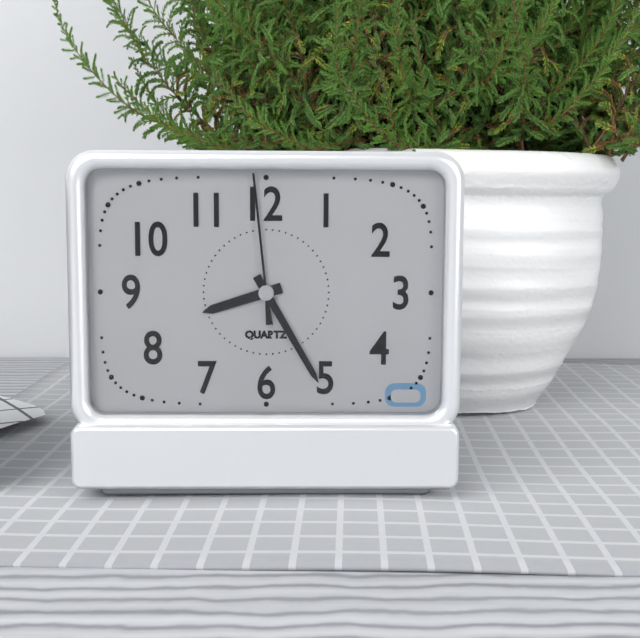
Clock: 8:25:59
